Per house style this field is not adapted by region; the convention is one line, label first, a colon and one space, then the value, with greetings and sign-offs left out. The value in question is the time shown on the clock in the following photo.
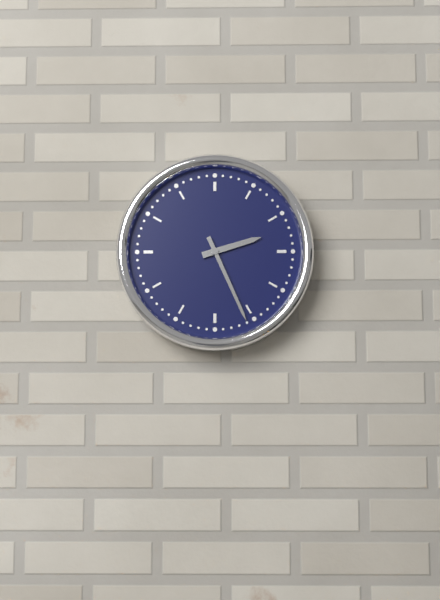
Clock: 2:26
